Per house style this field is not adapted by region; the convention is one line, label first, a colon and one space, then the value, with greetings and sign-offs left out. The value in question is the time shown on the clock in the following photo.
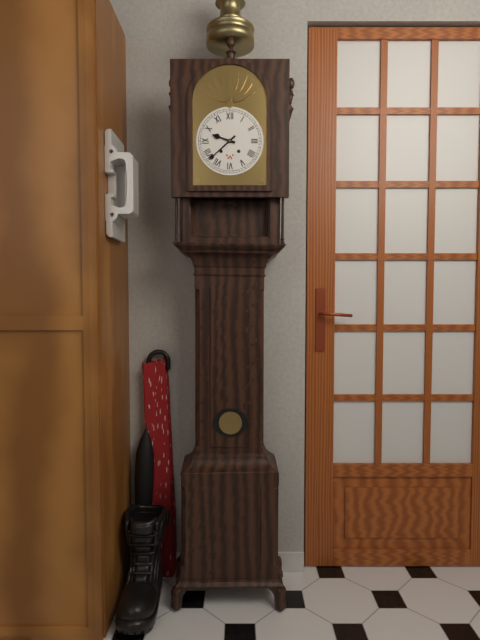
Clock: 9:38
